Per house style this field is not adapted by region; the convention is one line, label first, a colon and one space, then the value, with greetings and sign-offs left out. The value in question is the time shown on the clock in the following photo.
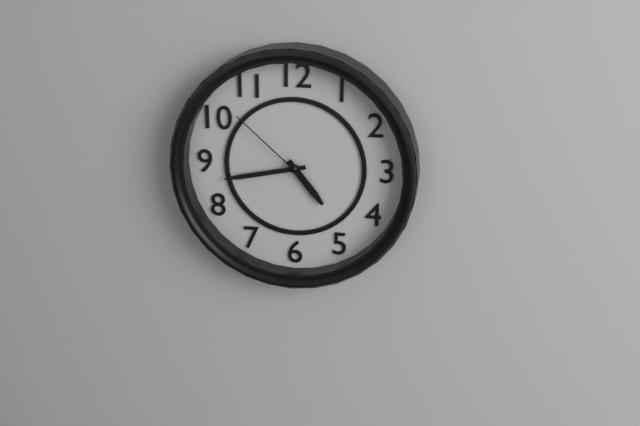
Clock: 4:43:52
